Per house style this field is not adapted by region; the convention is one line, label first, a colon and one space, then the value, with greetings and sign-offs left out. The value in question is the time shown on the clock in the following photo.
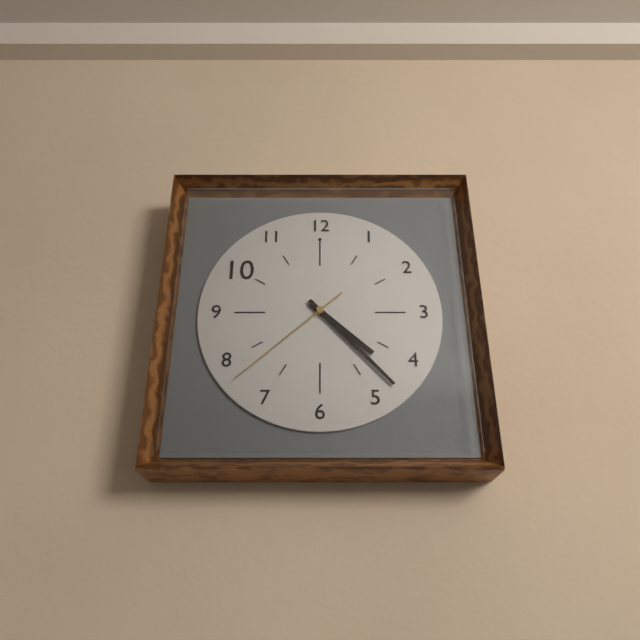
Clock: 4:23:38
